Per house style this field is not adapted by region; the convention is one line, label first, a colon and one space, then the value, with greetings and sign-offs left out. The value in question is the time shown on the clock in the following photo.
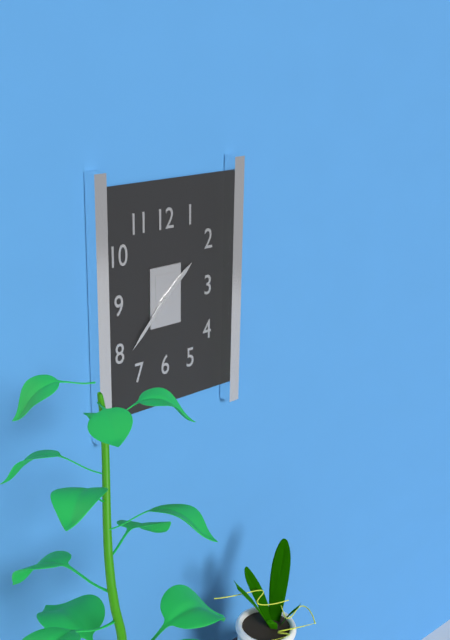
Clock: 1:37
